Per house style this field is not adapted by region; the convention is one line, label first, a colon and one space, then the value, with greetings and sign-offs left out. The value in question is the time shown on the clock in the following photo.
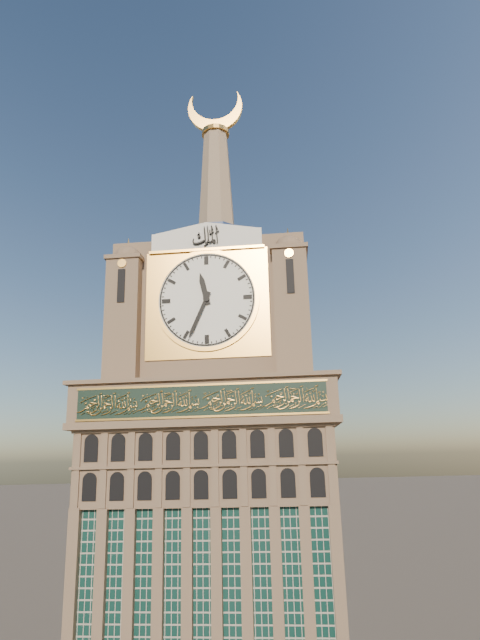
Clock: 11:34
